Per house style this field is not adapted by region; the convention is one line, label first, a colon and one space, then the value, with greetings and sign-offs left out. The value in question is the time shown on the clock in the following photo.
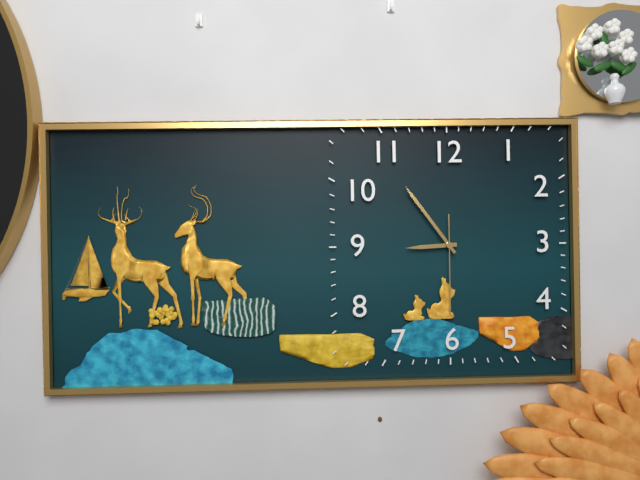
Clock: 8:54:30
